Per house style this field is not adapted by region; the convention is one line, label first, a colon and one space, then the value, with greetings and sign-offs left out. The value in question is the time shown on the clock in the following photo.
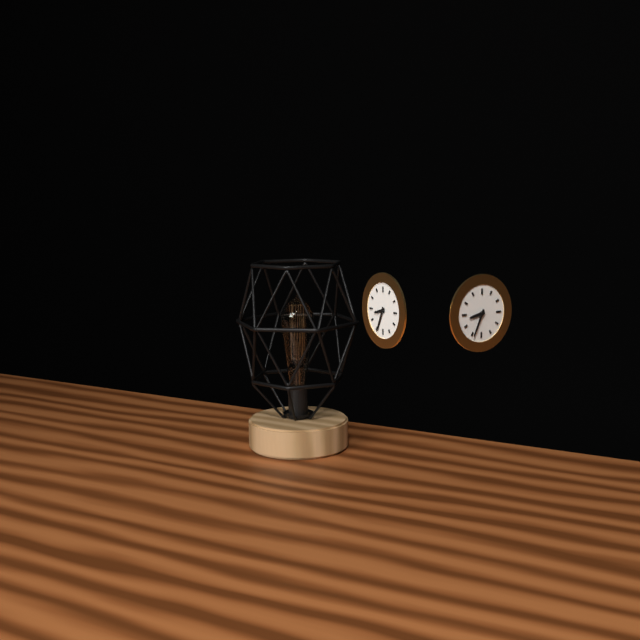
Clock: 8:34
